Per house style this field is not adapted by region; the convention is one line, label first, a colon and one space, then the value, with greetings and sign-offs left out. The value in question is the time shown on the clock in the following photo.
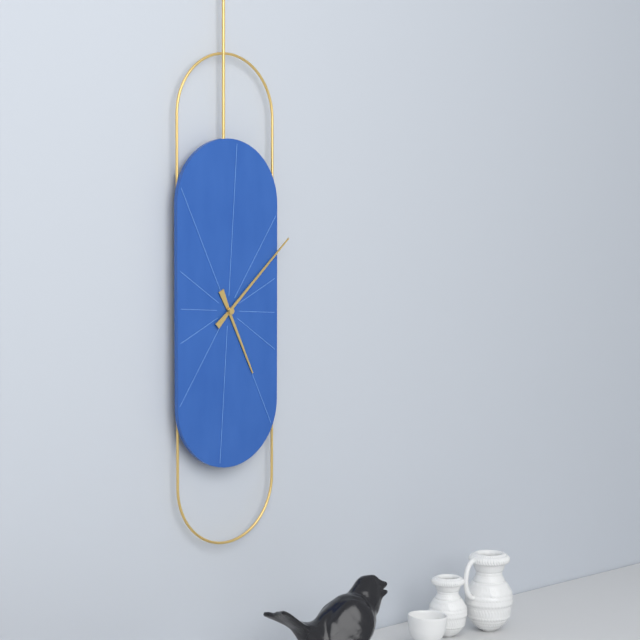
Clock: 5:08
